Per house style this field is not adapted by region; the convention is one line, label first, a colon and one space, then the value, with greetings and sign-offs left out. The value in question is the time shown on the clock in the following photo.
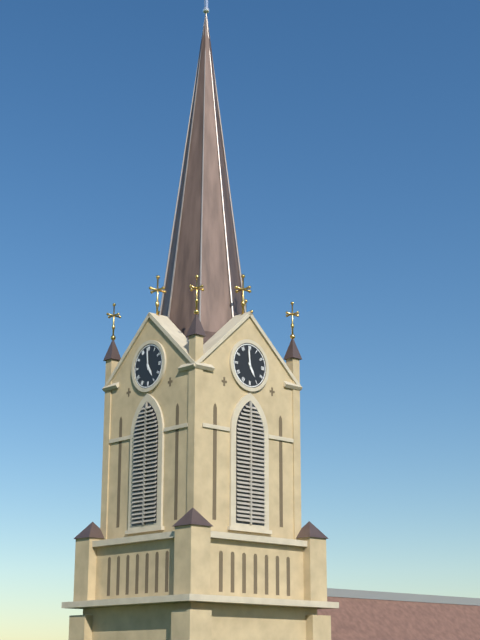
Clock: 4:59
